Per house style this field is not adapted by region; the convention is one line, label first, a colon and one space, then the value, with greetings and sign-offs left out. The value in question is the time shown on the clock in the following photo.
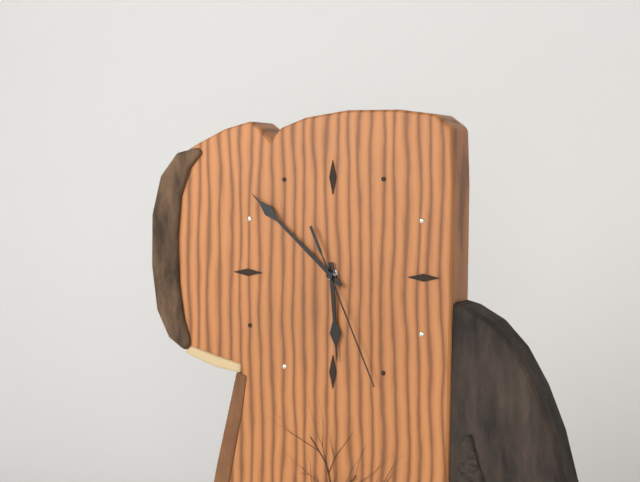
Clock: 5:52:26
